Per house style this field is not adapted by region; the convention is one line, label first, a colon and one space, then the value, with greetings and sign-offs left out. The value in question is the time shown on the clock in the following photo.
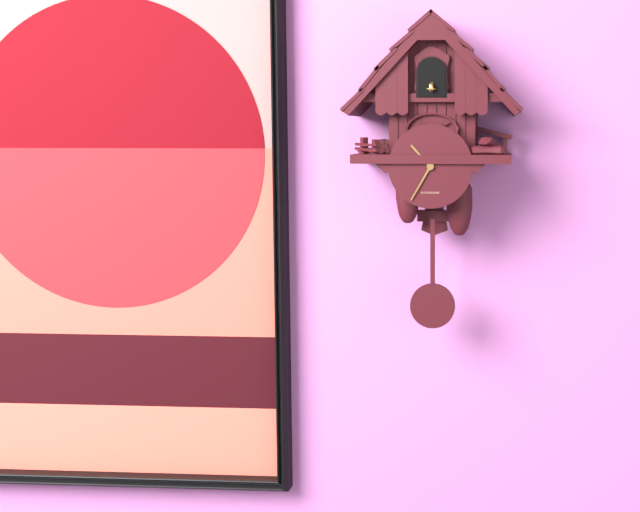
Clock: 10:35
